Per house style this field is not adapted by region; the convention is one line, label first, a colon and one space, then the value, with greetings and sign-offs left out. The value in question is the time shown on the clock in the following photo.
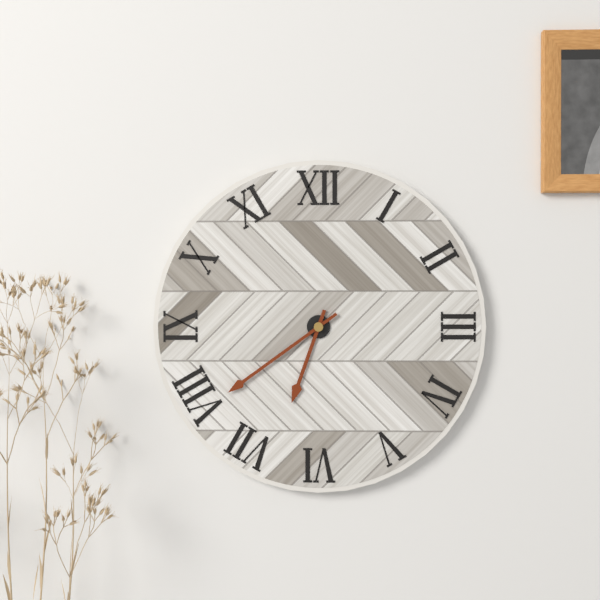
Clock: 6:39
